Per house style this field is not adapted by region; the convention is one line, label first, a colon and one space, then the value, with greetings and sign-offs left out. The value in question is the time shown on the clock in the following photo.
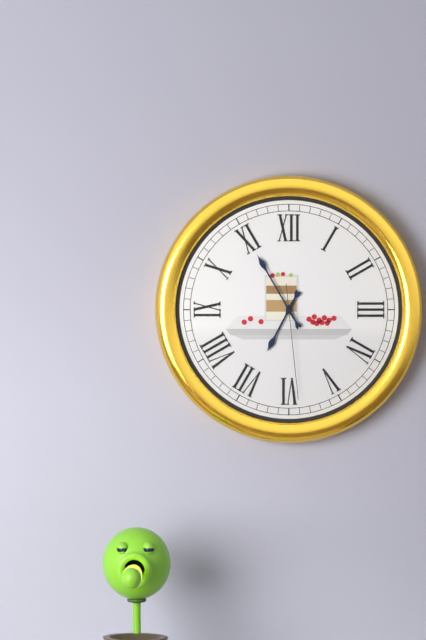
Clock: 6:55:29
